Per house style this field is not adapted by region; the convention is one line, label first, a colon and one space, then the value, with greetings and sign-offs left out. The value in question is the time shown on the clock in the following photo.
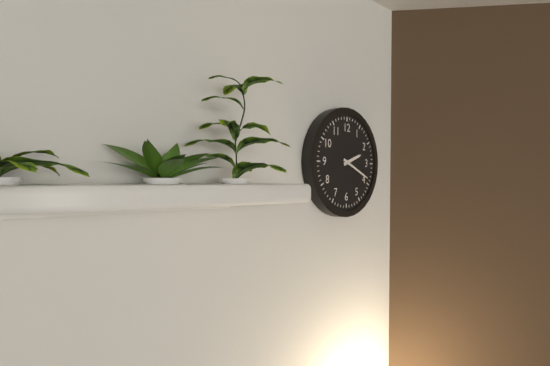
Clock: 2:19
